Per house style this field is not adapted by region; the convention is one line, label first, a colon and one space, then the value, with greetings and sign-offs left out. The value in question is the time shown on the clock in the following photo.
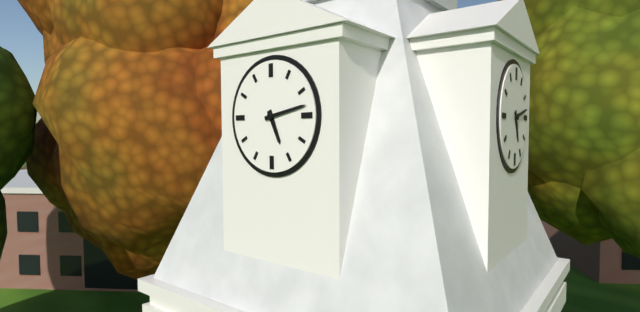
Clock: 5:13
